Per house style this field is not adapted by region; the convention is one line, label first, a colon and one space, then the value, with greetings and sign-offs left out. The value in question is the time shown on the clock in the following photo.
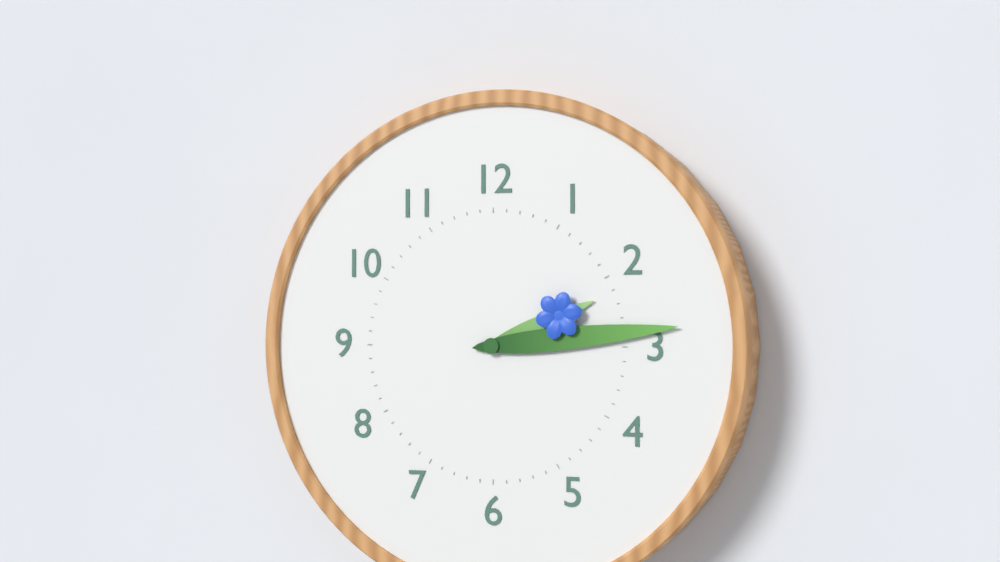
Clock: 2:14
